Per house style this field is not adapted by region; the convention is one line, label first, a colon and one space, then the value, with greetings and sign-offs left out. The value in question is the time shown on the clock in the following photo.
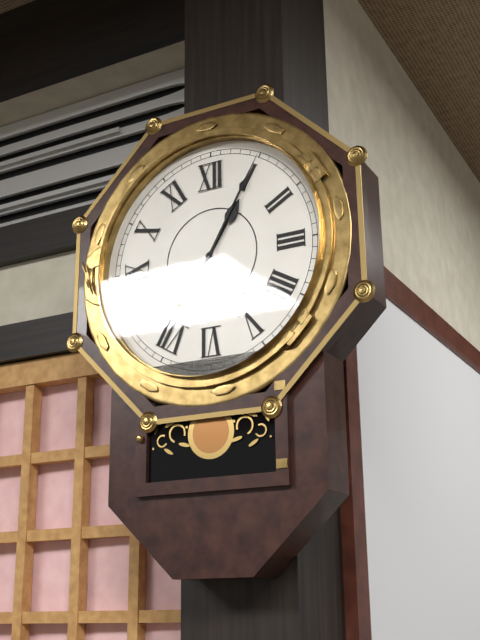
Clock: 1:05
